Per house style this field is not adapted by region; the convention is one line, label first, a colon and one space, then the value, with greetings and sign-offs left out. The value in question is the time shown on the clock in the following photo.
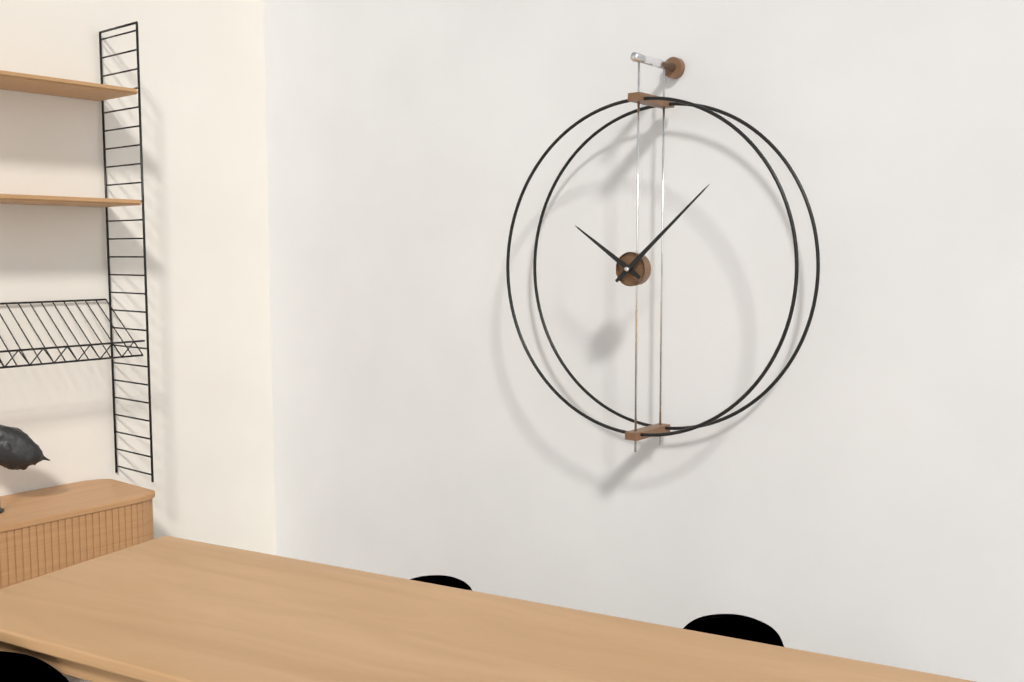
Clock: 10:08
